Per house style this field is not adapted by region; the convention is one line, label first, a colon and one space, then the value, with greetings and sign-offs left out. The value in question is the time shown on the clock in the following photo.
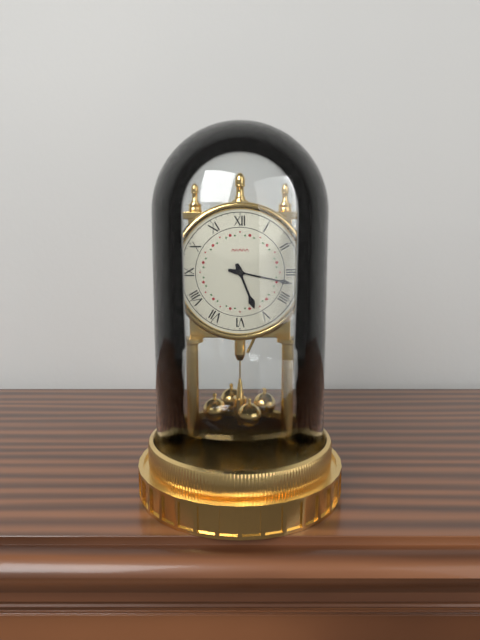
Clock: 5:17
